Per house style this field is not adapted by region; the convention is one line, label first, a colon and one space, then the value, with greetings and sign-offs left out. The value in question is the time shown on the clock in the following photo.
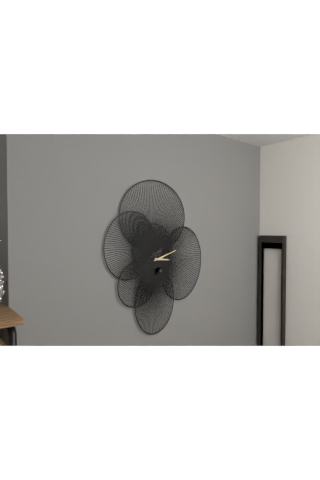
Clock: 3:12
